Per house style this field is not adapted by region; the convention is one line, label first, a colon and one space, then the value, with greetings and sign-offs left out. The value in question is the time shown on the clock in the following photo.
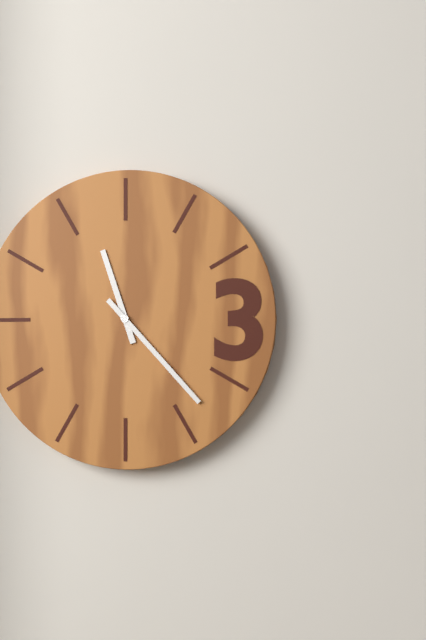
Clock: 11:23
